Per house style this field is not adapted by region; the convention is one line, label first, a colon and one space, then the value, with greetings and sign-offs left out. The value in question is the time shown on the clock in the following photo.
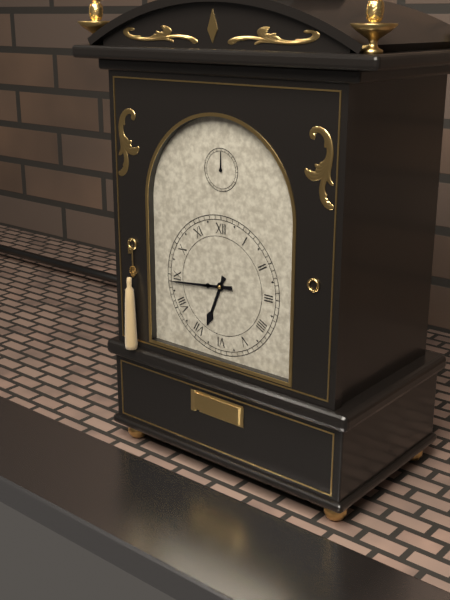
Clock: 6:44
